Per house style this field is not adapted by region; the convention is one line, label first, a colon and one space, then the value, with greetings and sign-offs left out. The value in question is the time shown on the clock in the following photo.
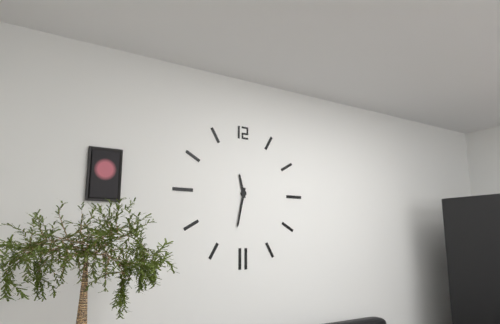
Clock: 11:32
